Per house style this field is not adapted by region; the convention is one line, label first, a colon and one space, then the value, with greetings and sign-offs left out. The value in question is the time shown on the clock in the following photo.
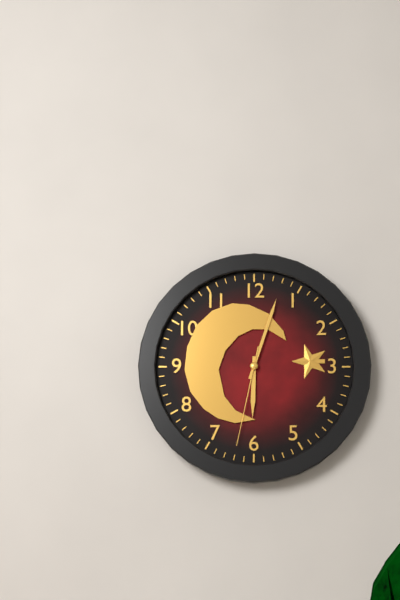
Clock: 6:03:32
